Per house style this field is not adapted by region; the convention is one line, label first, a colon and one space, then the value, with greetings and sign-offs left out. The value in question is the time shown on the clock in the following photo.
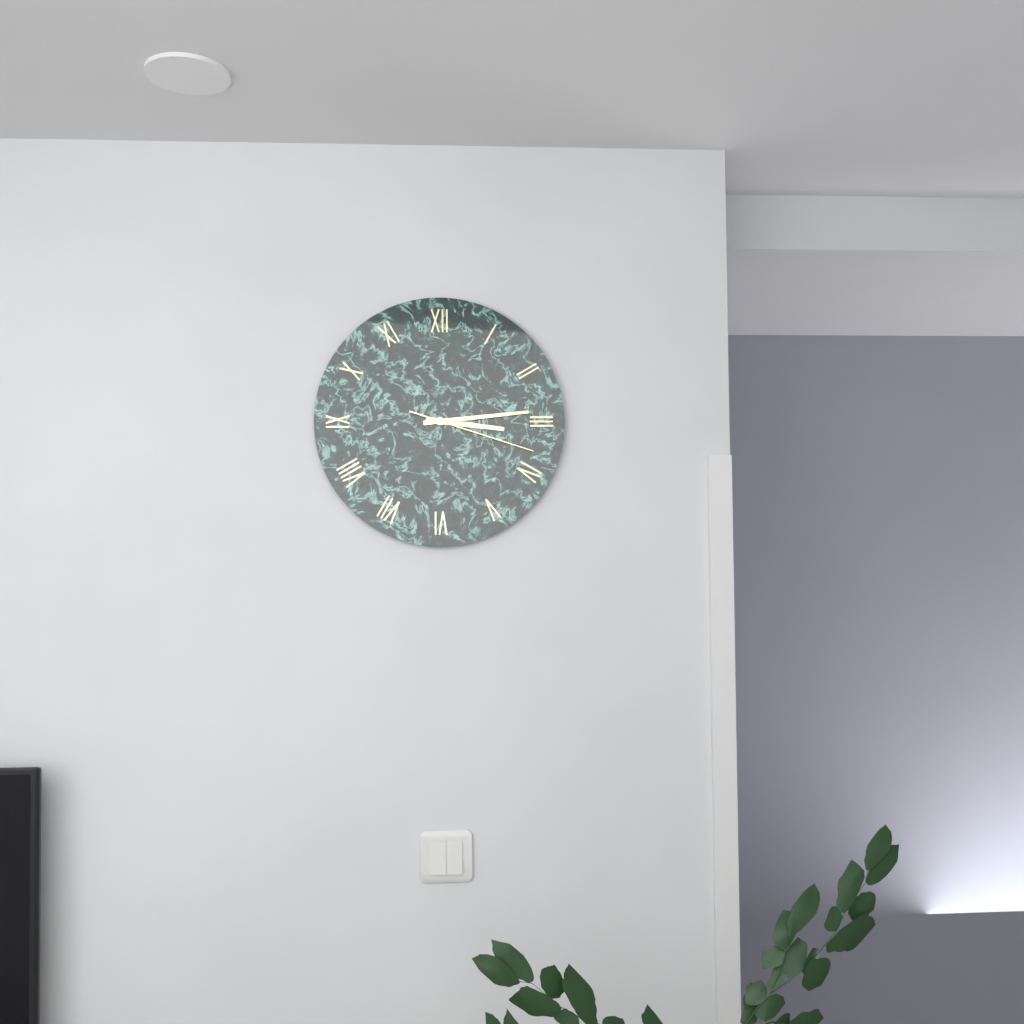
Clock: 3:14:18
